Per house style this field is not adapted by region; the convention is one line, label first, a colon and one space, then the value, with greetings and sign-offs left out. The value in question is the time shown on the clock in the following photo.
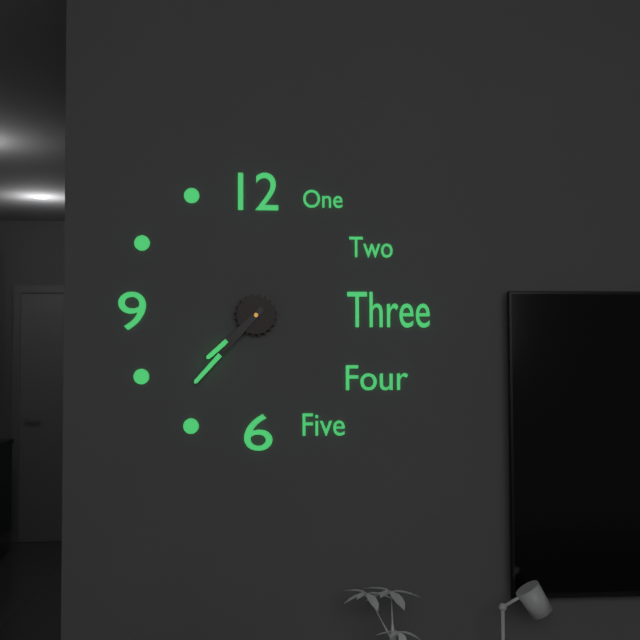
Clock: 7:37
